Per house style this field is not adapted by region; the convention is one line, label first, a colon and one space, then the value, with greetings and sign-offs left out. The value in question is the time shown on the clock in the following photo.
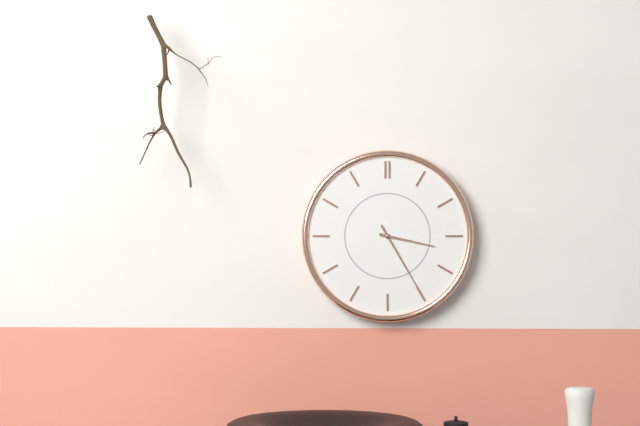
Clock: 3:25
